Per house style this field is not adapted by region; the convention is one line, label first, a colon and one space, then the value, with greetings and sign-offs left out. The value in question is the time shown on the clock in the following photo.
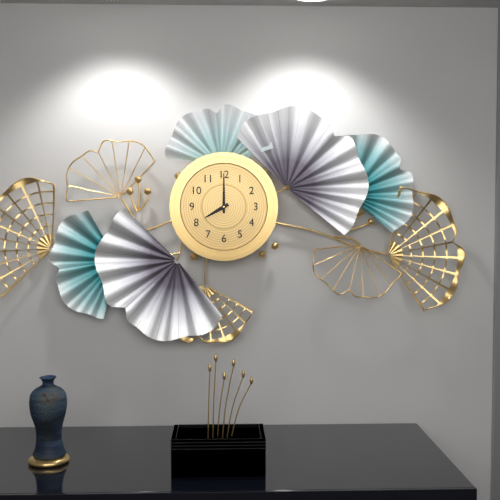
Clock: 8:00
